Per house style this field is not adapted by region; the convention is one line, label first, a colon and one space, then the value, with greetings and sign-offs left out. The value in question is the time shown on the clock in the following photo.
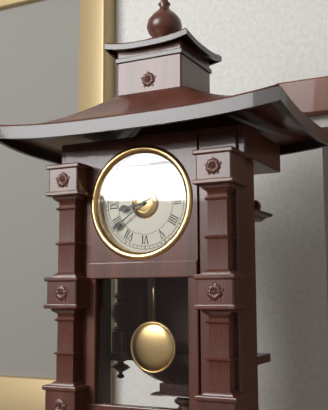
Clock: 8:39
